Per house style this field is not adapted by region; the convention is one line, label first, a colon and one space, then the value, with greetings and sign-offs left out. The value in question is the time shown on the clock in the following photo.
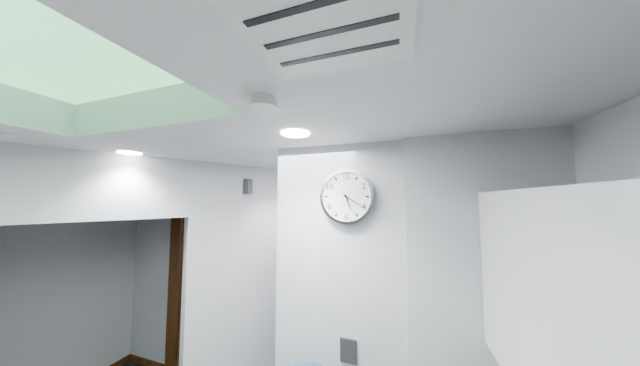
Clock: 5:20
